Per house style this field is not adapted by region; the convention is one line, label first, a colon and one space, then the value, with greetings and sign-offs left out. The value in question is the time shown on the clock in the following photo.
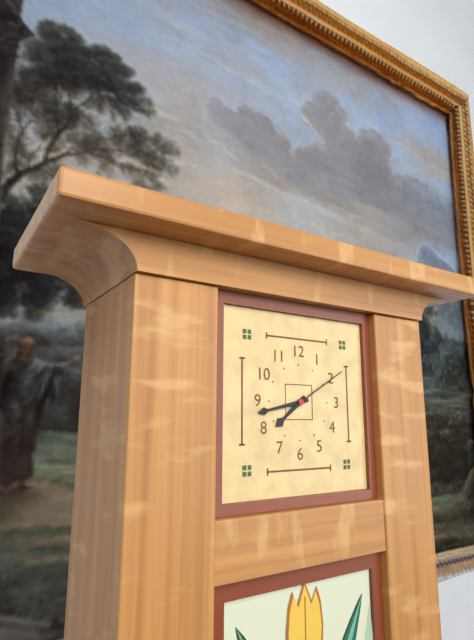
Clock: 7:43:10
